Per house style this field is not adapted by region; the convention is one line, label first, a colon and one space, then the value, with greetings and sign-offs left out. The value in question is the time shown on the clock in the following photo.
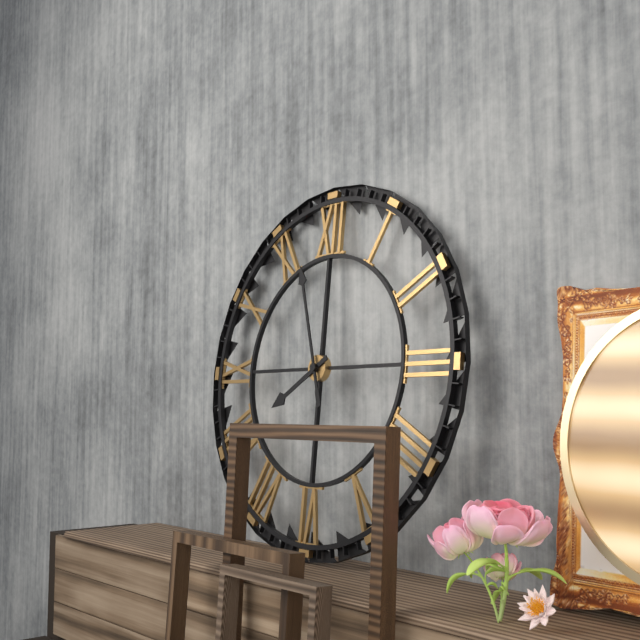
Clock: 7:57
